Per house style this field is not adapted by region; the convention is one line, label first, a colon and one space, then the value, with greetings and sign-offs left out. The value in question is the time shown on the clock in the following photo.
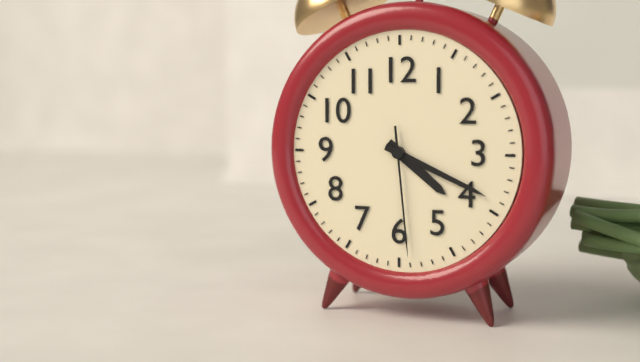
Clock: 4:19:29
